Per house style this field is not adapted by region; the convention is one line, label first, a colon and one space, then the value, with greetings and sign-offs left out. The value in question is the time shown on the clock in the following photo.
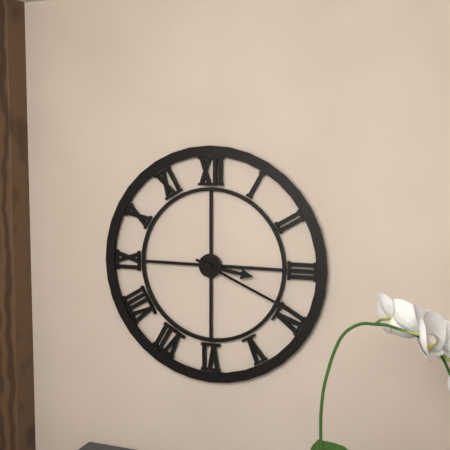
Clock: 3:19
